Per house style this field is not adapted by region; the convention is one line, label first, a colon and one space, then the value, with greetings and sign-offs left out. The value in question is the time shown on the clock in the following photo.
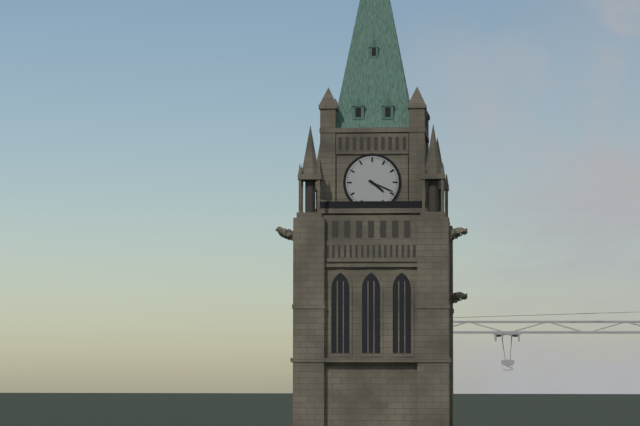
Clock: 4:19
